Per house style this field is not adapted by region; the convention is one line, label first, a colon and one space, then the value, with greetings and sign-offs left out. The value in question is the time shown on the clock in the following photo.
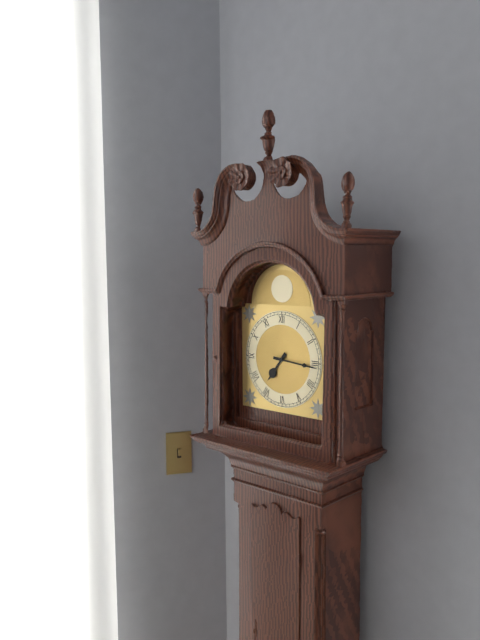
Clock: 7:16
